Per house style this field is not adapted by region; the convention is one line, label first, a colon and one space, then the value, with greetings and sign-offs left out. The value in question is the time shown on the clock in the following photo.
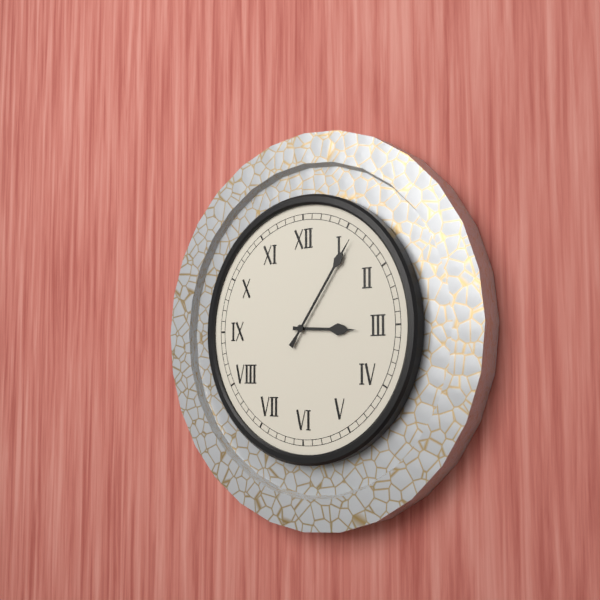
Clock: 3:06
